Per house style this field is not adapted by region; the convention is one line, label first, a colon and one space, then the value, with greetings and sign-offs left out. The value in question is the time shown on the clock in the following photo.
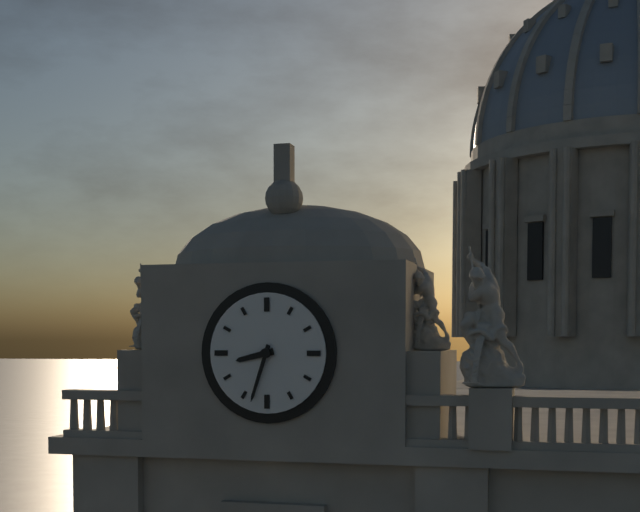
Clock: 8:33
